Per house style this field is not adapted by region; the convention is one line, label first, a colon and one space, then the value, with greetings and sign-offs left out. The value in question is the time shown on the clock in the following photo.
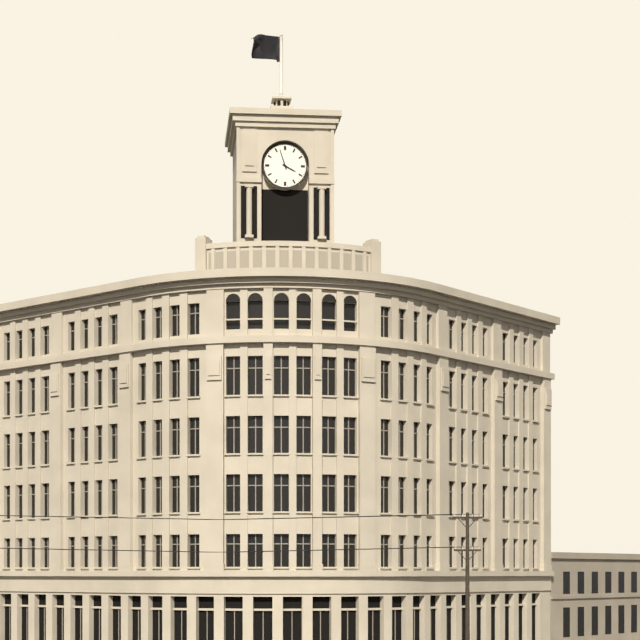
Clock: 3:57
